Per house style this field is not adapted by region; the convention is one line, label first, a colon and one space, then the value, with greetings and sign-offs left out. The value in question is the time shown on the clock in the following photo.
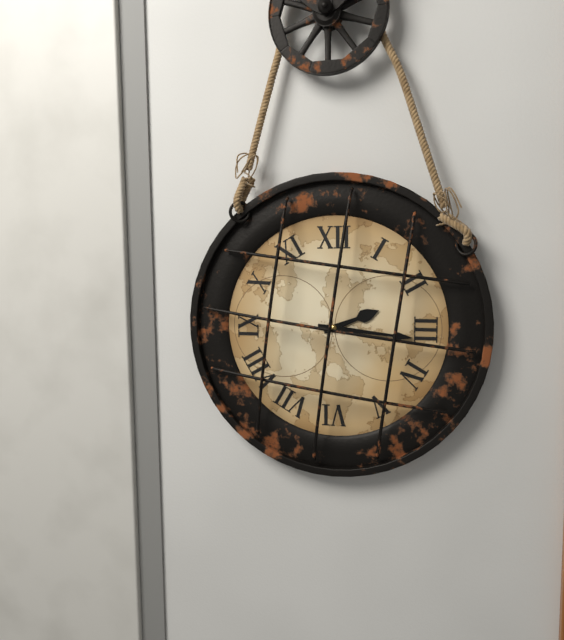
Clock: 2:16
